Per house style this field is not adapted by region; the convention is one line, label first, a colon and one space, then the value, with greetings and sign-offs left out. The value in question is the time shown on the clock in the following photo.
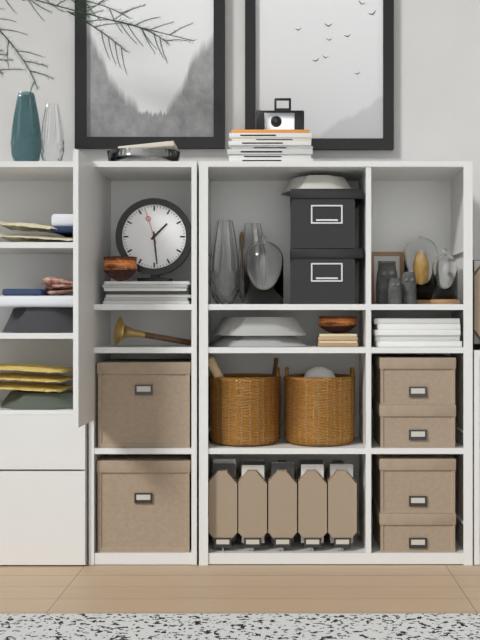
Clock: 1:29
